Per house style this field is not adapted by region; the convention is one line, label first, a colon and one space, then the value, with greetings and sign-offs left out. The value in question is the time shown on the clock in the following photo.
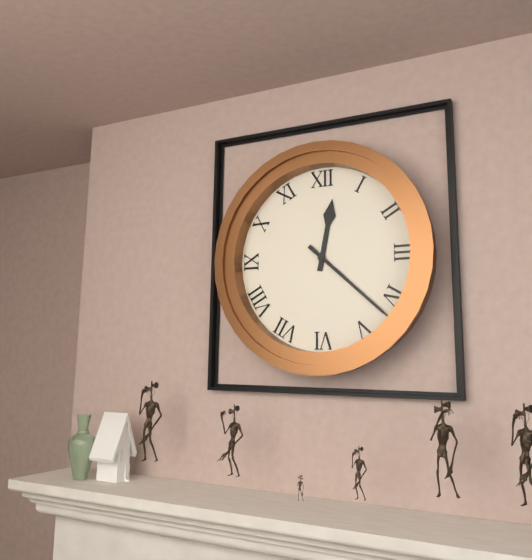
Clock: 12:22
